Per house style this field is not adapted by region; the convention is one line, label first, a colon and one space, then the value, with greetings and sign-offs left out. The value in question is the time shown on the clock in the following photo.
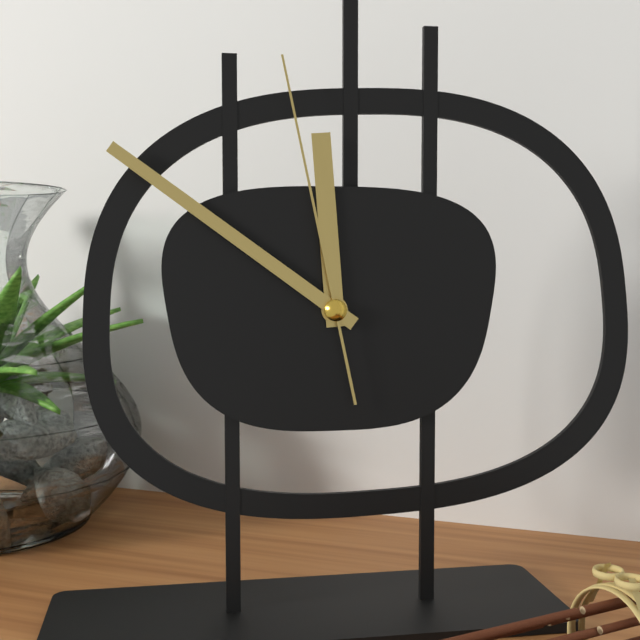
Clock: 11:51:58
